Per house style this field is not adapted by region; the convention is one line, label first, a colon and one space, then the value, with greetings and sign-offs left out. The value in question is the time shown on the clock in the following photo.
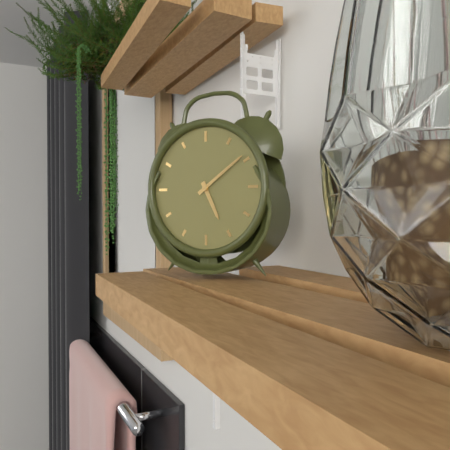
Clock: 5:09
